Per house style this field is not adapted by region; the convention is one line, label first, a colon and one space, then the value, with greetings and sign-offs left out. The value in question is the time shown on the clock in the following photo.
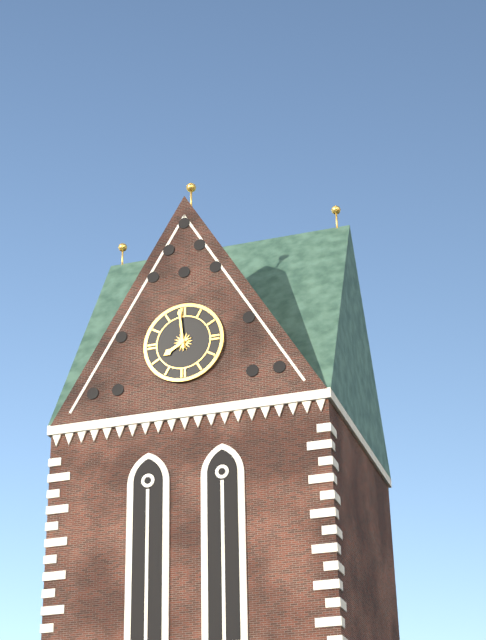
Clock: 7:59
